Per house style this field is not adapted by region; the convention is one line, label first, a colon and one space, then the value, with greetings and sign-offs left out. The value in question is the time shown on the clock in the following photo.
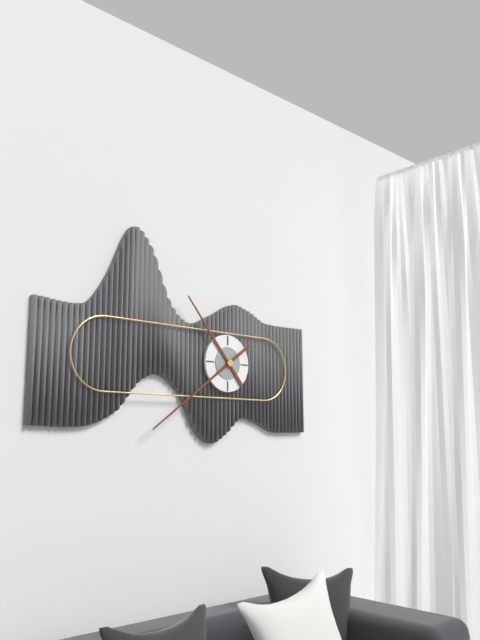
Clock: 10:39
